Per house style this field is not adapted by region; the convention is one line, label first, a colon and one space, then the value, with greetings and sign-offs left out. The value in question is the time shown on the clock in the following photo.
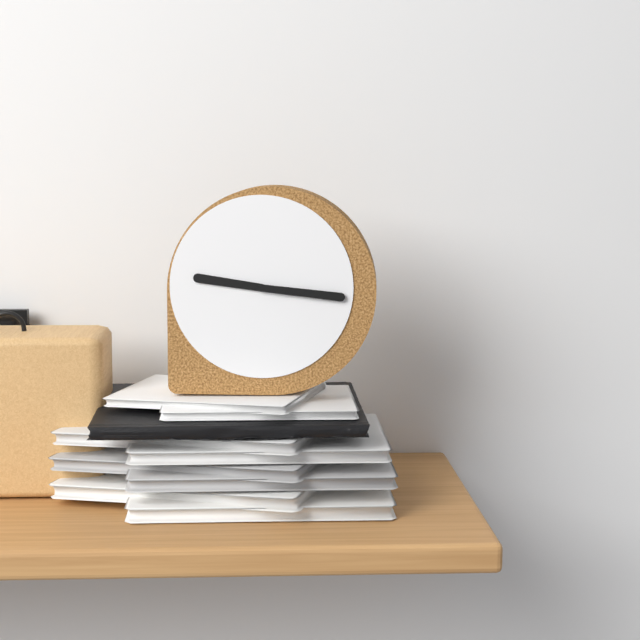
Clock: 9:16
